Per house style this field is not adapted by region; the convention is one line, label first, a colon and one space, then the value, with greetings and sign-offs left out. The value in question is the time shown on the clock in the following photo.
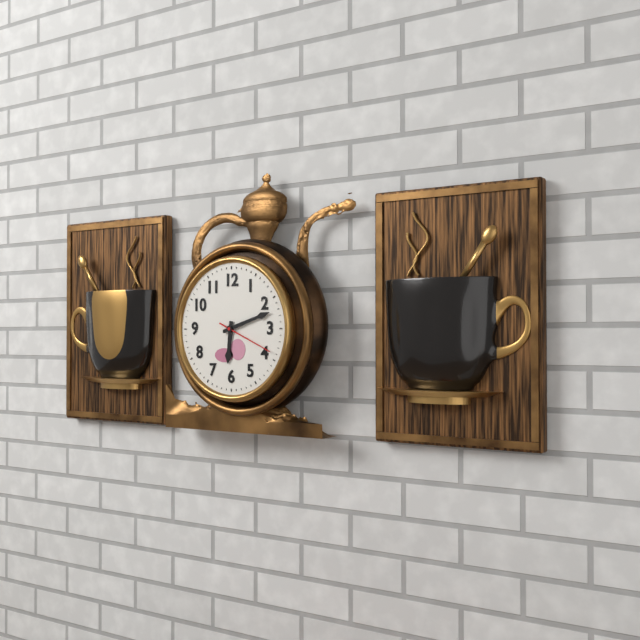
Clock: 6:12:19
